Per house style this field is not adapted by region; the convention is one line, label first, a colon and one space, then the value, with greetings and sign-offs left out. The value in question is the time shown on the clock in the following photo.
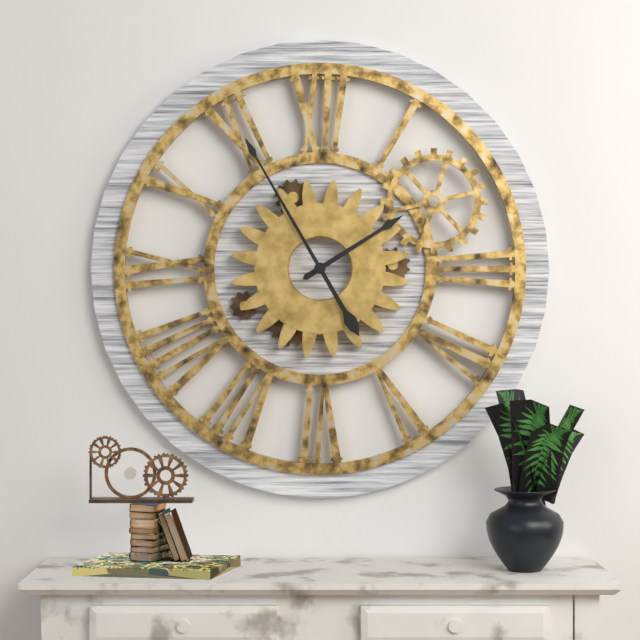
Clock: 1:55
